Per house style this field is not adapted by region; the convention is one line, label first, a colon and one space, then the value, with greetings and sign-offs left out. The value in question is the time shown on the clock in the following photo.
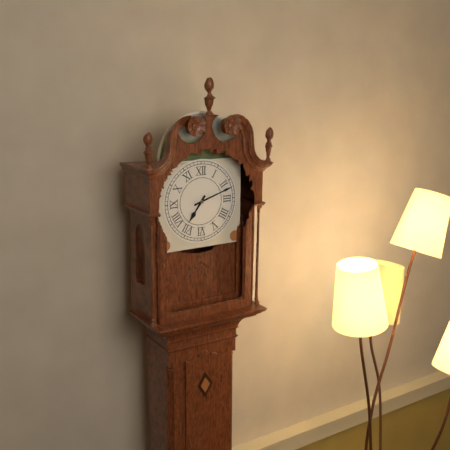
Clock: 7:12
